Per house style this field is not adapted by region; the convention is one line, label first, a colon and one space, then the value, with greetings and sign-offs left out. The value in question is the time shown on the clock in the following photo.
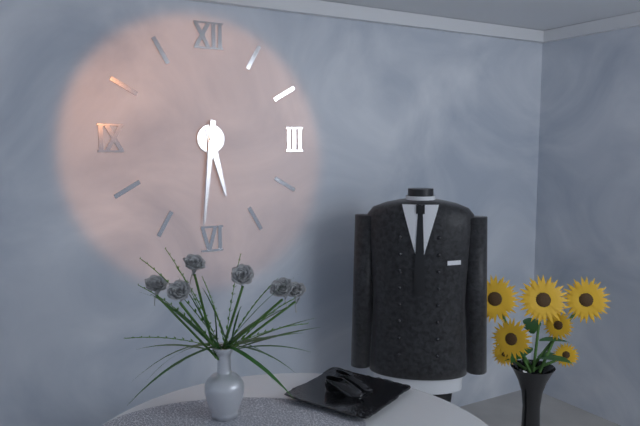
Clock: 5:31
